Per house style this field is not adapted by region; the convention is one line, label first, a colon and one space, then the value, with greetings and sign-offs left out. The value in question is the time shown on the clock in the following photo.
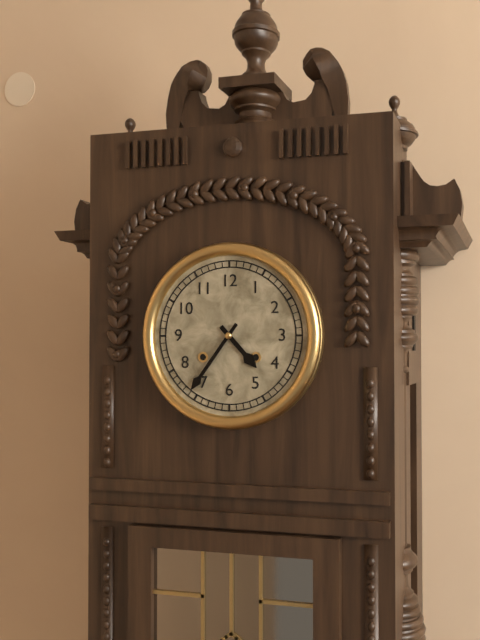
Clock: 4:36
